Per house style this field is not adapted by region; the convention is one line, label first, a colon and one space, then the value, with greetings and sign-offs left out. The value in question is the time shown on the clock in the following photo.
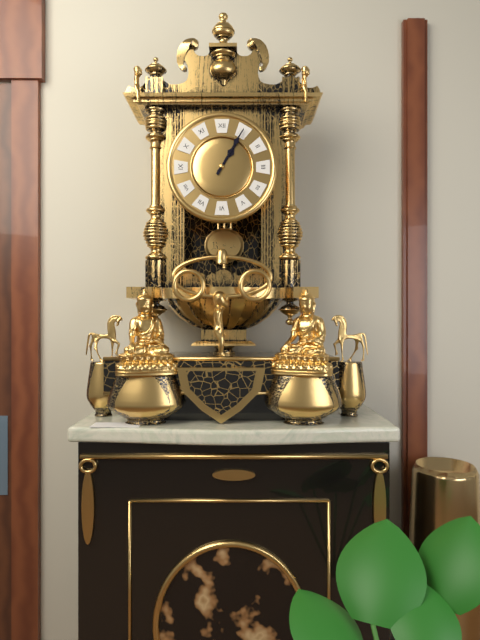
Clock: 1:05
